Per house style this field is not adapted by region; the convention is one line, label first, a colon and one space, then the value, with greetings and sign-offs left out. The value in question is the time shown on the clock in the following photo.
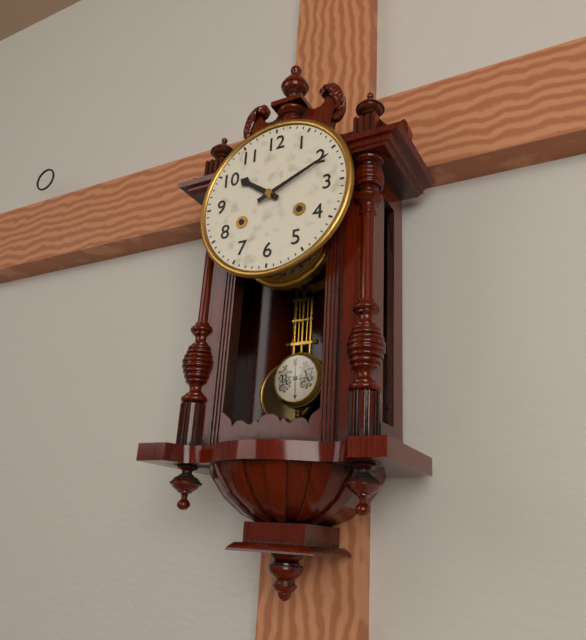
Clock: 10:11
